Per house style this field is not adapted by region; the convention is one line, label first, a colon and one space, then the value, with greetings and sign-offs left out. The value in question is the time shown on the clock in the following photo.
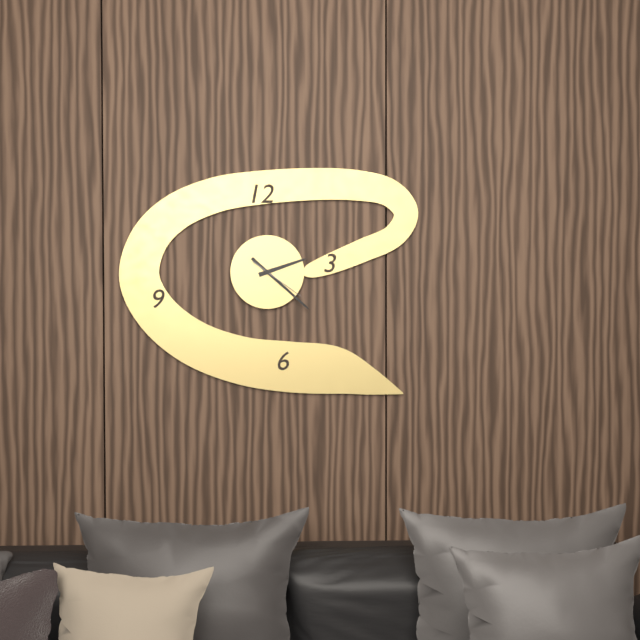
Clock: 2:22:21
